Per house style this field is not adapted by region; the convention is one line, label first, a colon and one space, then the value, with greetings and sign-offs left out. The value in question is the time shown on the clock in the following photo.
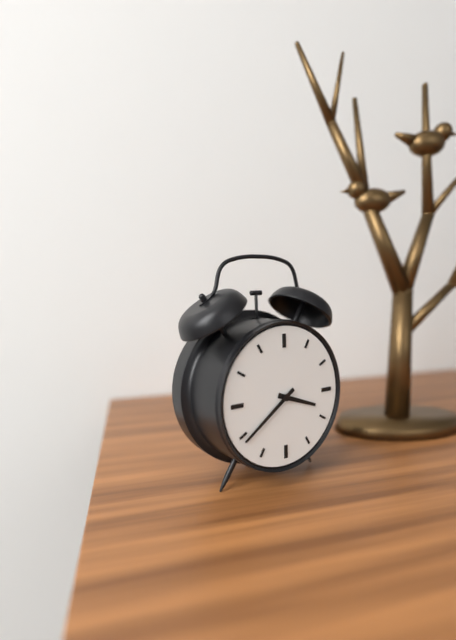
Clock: 3:39
